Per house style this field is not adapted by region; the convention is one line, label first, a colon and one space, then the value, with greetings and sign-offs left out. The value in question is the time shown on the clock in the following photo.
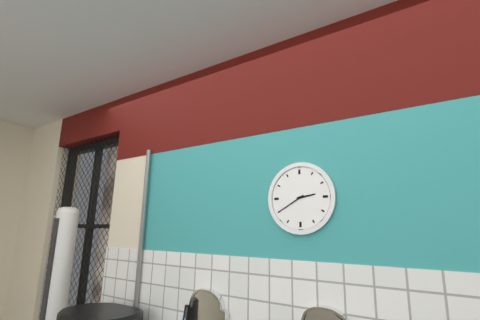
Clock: 2:40
